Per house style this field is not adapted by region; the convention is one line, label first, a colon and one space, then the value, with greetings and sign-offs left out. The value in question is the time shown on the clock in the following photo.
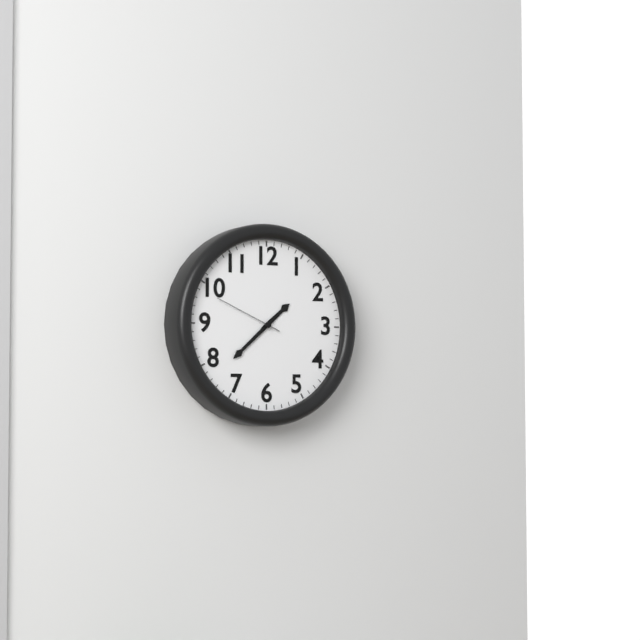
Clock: 1:38:49
